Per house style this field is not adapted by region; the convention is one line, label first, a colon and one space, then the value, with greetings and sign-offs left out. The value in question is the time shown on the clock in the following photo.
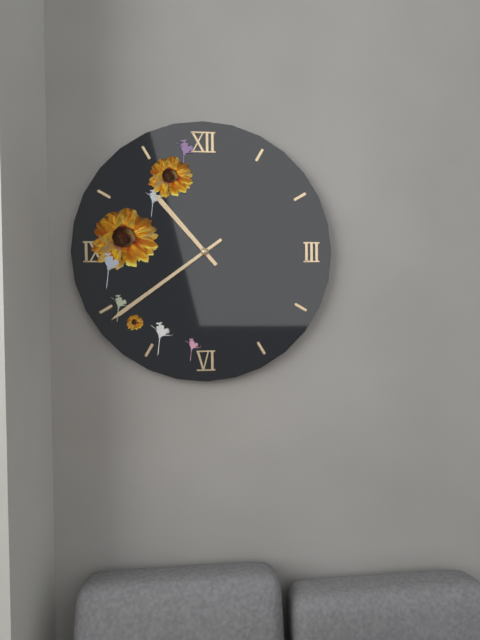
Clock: 10:39
